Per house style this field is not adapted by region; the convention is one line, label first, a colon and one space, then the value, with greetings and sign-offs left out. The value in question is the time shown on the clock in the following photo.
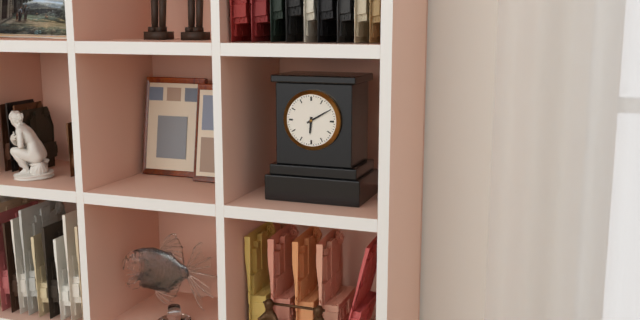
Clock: 6:10
